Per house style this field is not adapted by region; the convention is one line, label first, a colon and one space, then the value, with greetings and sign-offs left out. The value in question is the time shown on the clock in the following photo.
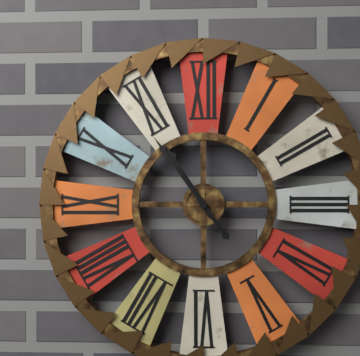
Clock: 10:54
